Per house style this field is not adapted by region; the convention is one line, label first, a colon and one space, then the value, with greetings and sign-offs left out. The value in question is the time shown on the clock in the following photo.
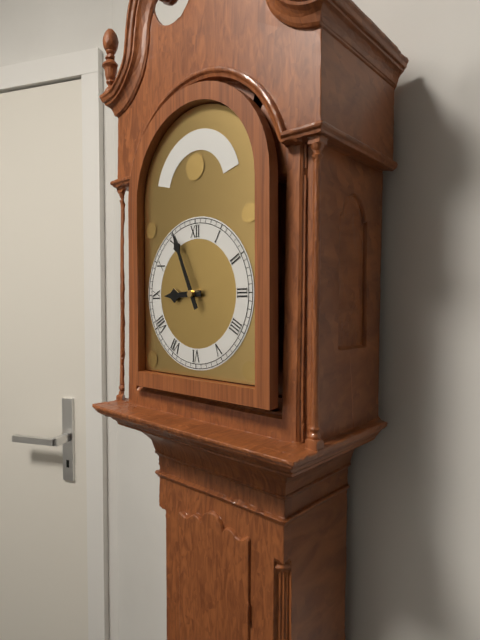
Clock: 8:56
